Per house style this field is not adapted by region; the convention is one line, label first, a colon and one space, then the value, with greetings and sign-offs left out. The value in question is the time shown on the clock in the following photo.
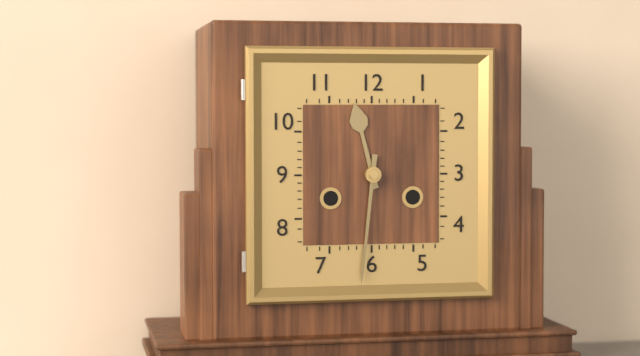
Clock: 11:31
